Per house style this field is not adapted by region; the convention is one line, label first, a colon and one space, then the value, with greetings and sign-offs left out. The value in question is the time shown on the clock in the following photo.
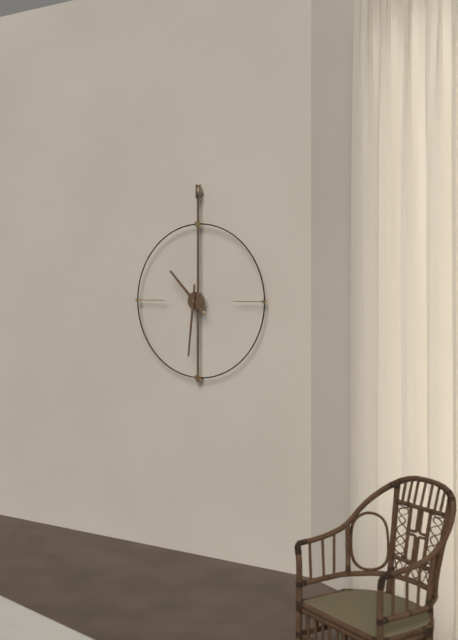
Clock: 10:31
